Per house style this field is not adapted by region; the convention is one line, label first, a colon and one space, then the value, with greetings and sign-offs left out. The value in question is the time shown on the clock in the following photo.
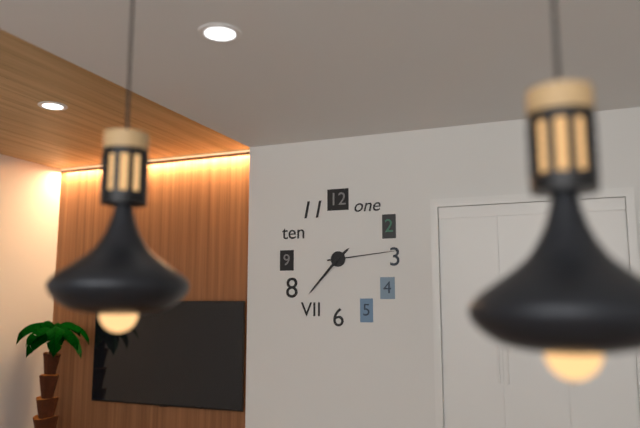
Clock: 1:37:14
